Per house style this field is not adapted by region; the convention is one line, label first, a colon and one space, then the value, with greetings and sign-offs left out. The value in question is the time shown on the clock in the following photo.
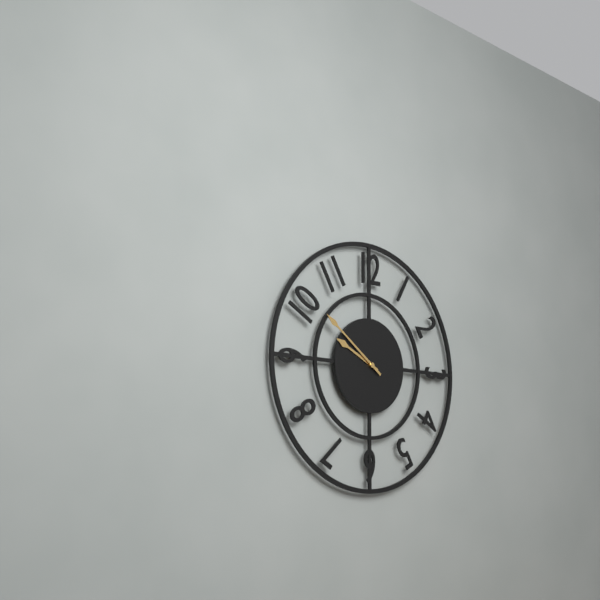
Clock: 9:51
